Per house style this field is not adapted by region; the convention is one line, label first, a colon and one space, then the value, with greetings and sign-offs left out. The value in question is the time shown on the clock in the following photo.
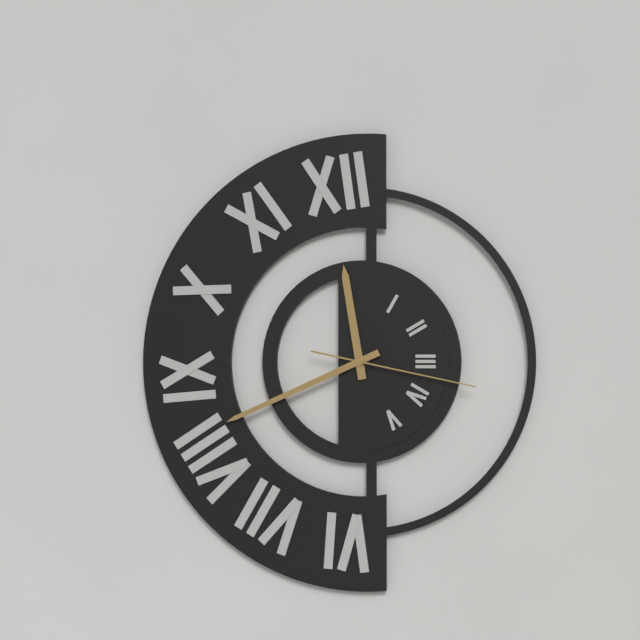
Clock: 11:41:17
